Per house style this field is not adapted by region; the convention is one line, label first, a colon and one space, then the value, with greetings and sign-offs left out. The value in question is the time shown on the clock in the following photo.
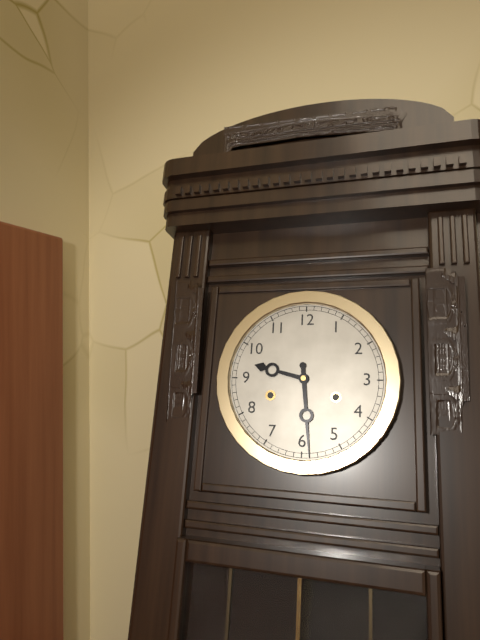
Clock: 9:29
